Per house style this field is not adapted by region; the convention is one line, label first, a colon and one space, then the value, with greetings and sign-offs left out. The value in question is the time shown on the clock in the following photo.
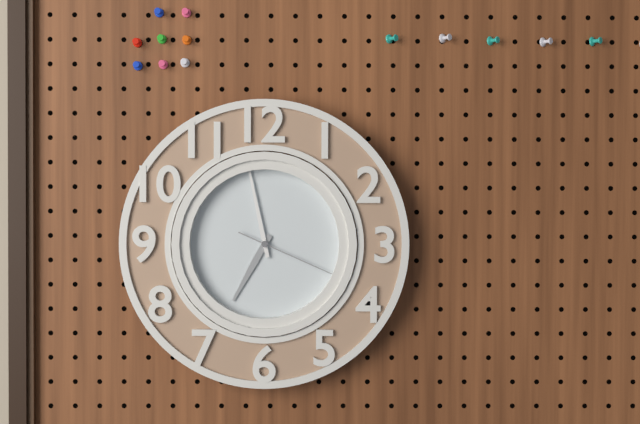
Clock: 6:58:19
